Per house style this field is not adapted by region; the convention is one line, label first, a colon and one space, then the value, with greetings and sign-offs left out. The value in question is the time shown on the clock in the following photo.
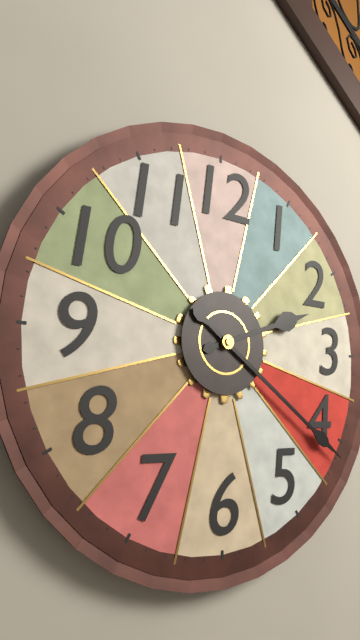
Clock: 2:21
